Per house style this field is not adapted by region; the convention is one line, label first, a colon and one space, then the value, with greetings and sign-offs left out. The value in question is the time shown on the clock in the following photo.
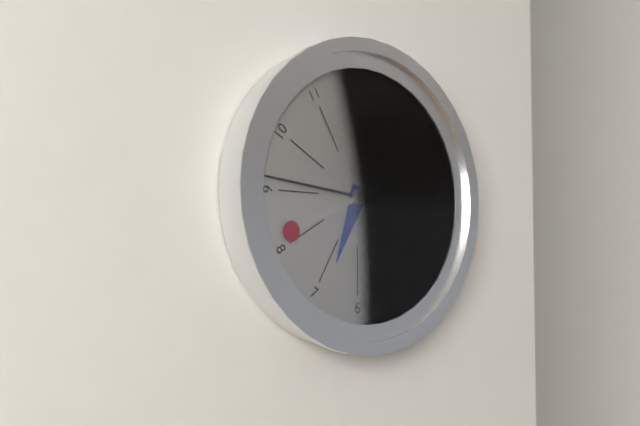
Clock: 6:46:41
